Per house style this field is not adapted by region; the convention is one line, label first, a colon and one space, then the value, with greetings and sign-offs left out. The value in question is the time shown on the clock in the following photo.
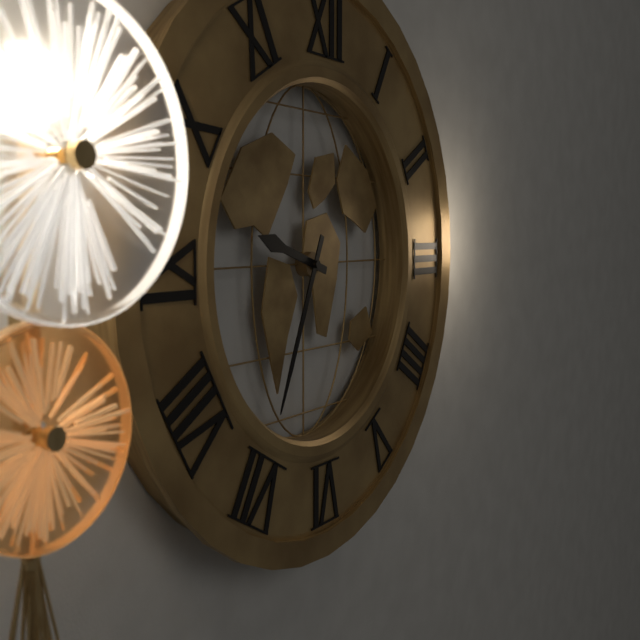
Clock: 9:34
